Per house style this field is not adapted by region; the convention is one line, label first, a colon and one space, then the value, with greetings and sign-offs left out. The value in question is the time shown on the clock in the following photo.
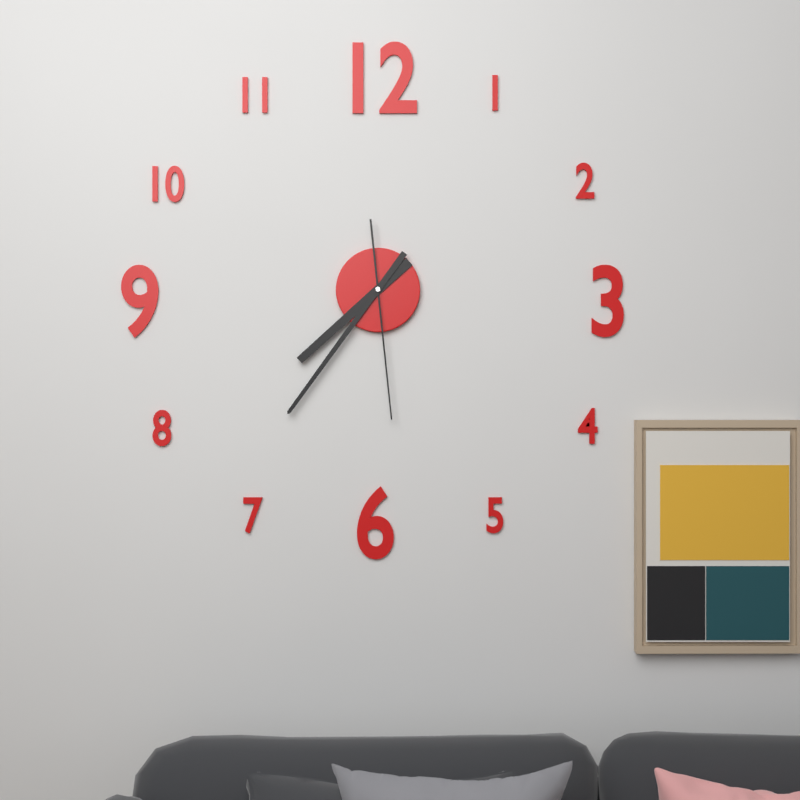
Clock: 7:36:29
